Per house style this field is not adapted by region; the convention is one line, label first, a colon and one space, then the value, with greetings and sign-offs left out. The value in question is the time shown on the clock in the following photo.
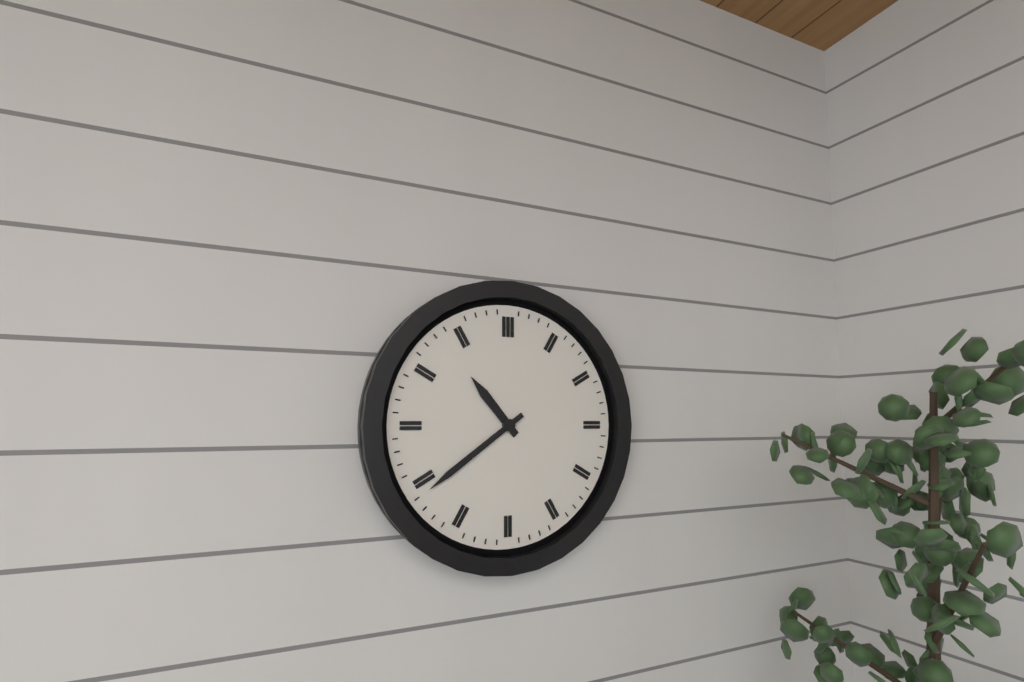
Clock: 10:39
